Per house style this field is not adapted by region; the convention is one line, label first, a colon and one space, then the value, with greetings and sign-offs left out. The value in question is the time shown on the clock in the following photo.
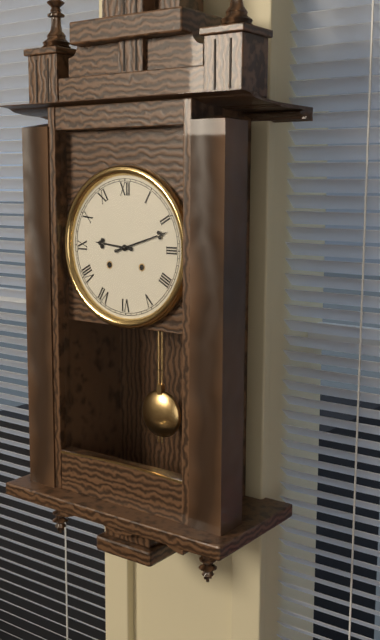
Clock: 9:12
